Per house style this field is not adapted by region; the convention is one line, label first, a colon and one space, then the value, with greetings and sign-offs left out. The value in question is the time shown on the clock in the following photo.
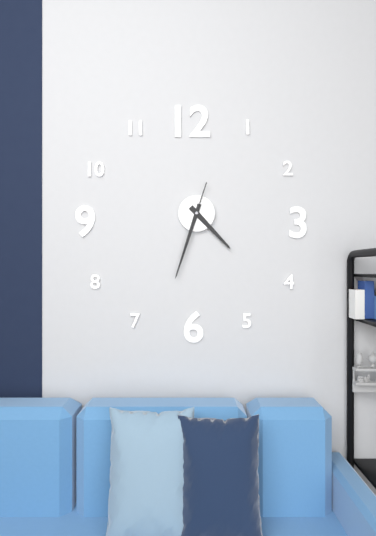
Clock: 4:33:33
